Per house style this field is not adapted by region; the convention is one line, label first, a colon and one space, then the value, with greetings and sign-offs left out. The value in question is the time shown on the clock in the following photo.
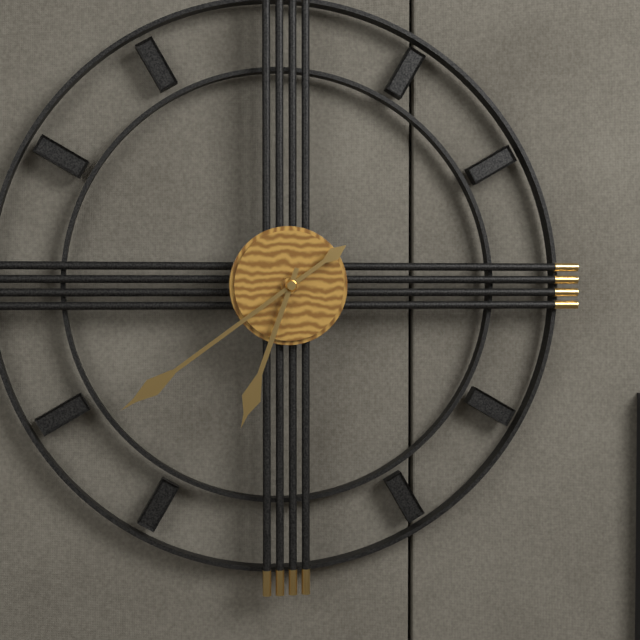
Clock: 6:39
